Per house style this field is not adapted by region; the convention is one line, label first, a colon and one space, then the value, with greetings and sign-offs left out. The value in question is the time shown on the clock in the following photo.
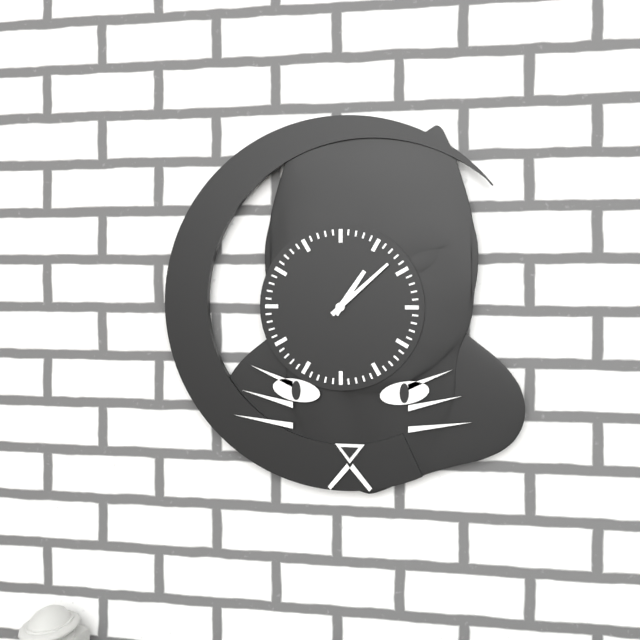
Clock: 1:08
